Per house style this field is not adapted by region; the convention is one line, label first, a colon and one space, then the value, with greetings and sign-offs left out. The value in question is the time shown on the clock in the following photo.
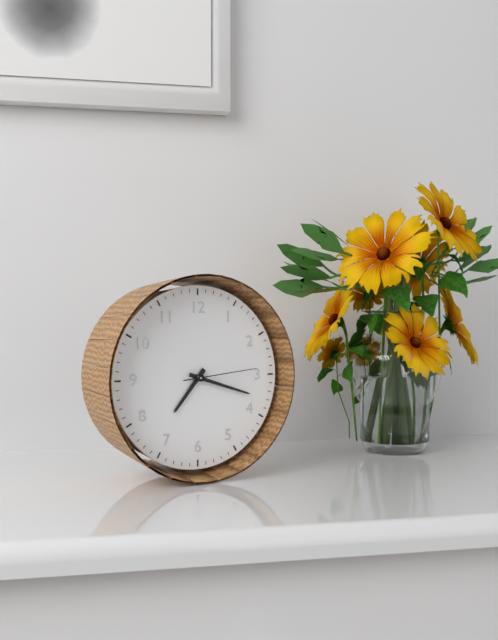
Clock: 7:18:14
